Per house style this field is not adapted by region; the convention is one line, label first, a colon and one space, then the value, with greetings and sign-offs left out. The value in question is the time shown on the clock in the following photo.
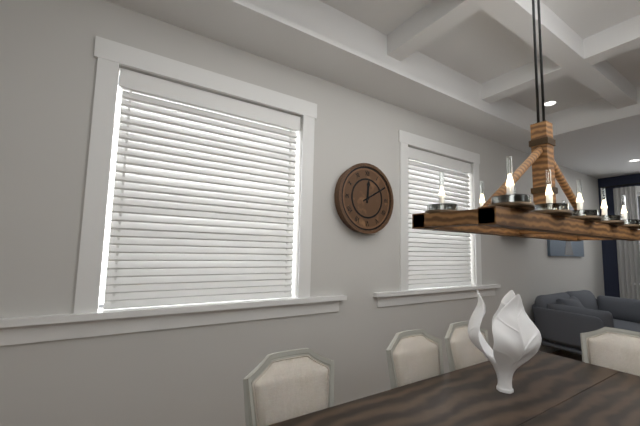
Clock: 12:10
